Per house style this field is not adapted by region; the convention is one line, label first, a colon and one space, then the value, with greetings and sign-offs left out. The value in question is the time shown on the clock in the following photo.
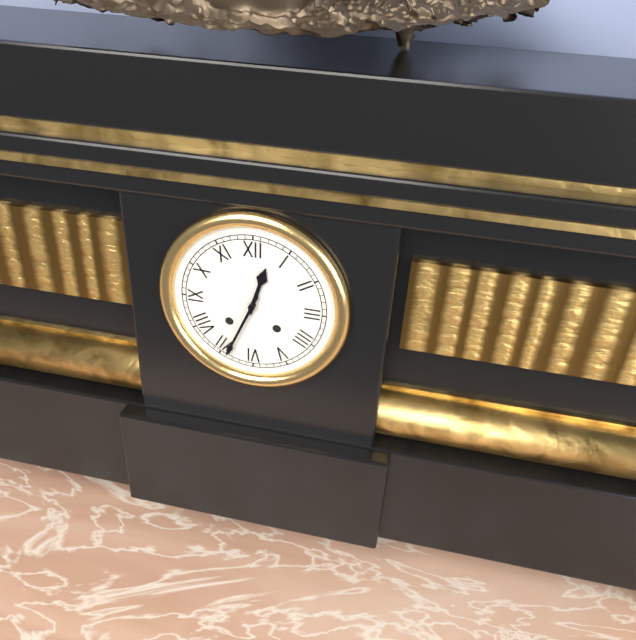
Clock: 12:34
